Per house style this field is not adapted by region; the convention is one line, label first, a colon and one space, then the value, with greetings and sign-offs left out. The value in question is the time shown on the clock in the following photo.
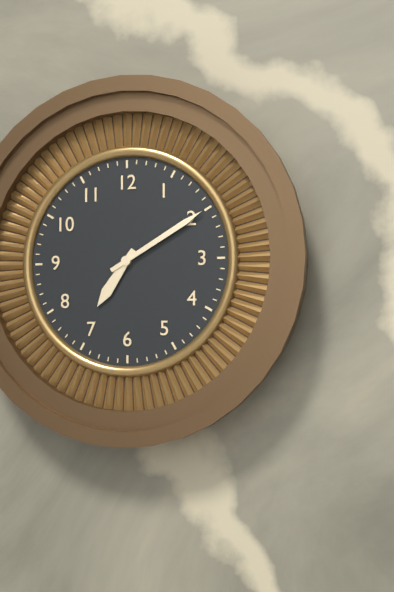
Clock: 7:10
